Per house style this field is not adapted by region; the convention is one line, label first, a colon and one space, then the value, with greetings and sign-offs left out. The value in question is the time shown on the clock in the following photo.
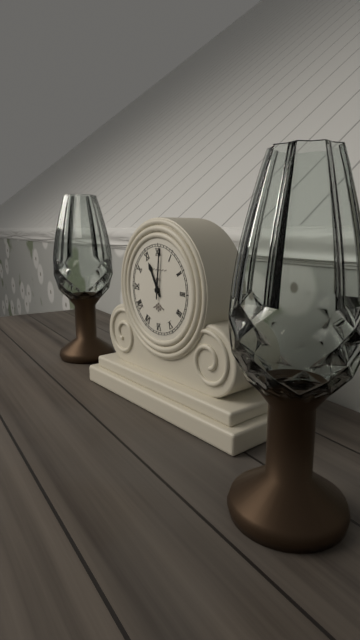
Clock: 11:01
